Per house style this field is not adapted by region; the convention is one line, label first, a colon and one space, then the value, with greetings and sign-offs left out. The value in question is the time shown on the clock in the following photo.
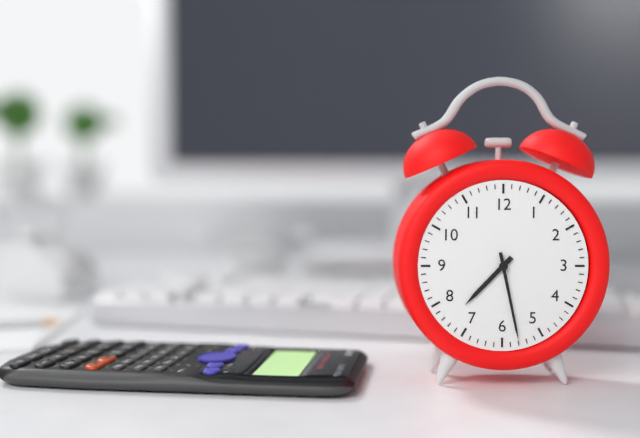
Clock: 7:28
